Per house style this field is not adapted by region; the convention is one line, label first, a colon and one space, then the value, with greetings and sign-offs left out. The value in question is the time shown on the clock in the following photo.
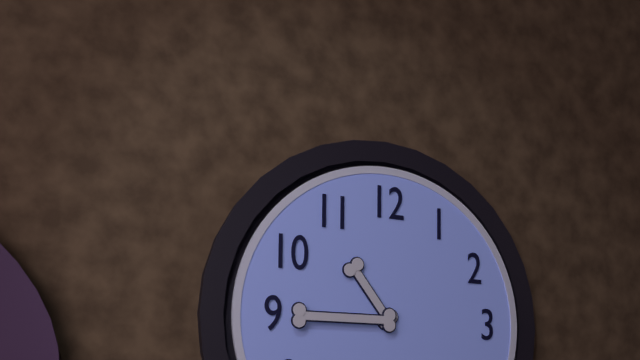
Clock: 10:45
